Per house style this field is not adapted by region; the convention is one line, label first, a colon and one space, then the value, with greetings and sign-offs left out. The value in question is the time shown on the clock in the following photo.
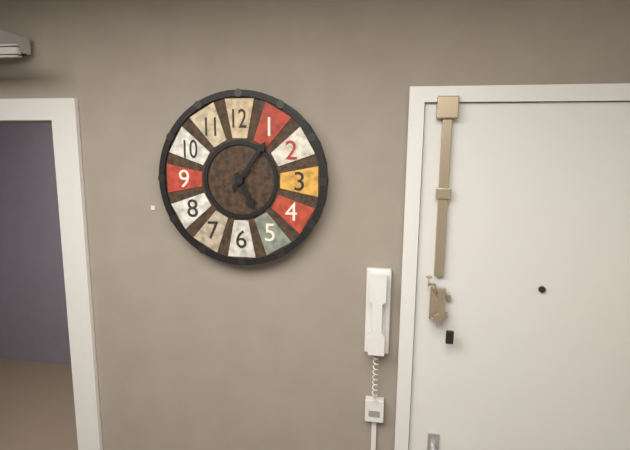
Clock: 5:06
